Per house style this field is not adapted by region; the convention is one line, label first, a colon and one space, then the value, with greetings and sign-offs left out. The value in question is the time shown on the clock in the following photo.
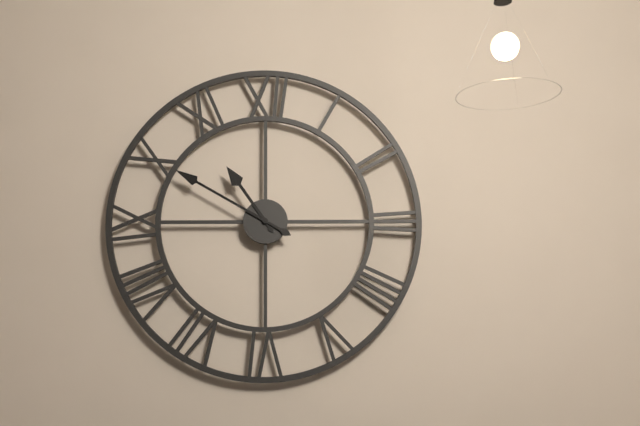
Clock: 10:50
